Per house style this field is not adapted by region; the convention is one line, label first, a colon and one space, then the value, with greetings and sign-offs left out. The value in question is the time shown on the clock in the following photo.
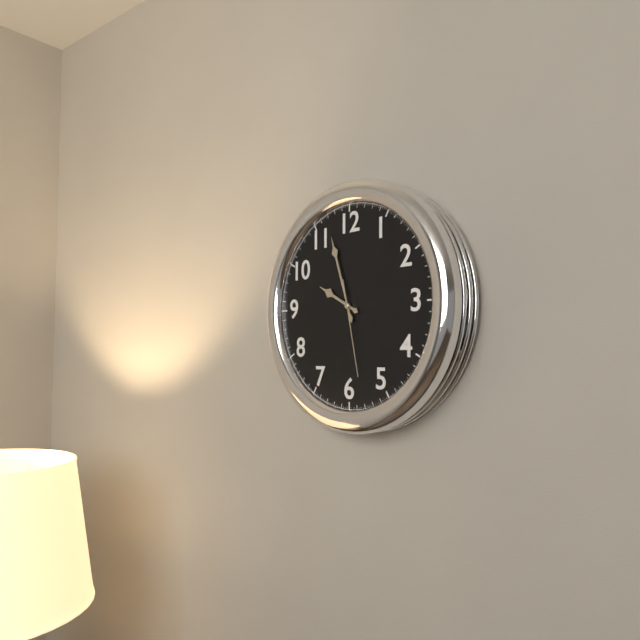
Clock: 9:57:28
